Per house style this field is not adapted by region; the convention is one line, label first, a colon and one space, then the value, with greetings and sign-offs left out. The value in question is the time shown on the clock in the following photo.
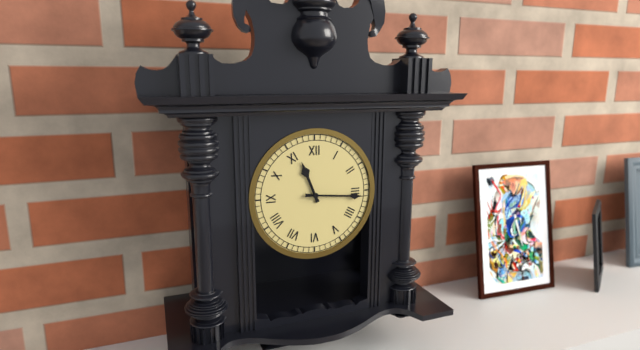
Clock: 11:16
